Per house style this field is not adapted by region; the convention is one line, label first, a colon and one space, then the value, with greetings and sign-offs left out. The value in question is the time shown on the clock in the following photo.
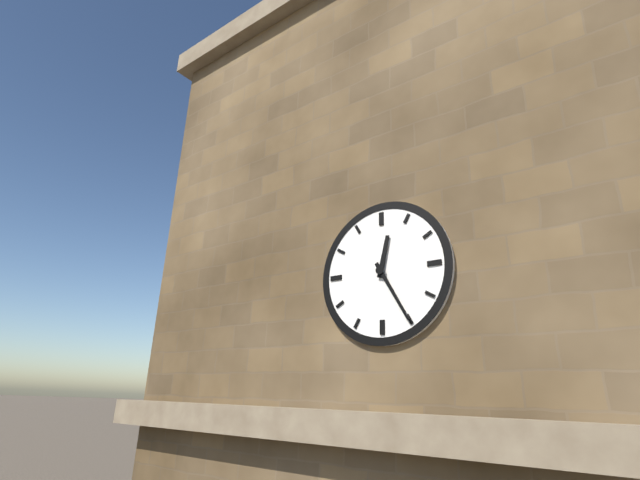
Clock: 12:25
